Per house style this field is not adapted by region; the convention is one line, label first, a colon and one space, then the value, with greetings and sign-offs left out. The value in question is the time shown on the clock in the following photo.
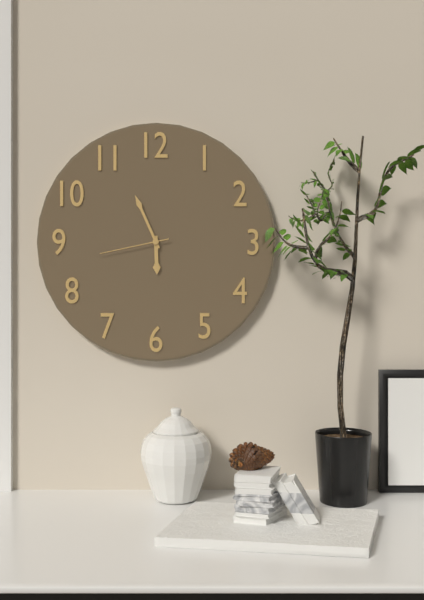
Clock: 5:56:43
